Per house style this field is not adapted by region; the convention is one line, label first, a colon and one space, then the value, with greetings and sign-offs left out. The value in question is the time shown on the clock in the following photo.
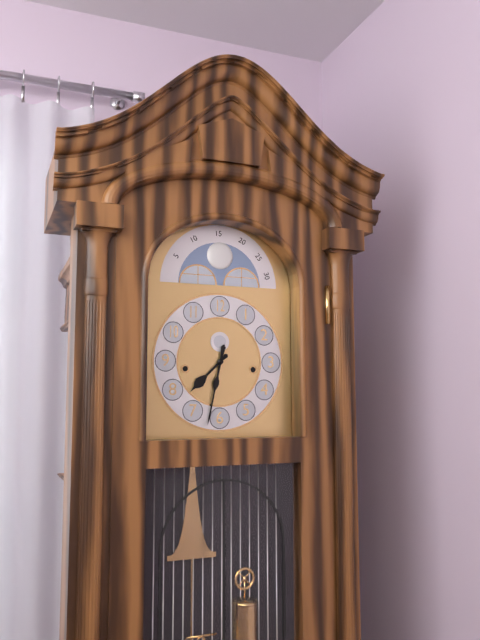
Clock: 7:32
